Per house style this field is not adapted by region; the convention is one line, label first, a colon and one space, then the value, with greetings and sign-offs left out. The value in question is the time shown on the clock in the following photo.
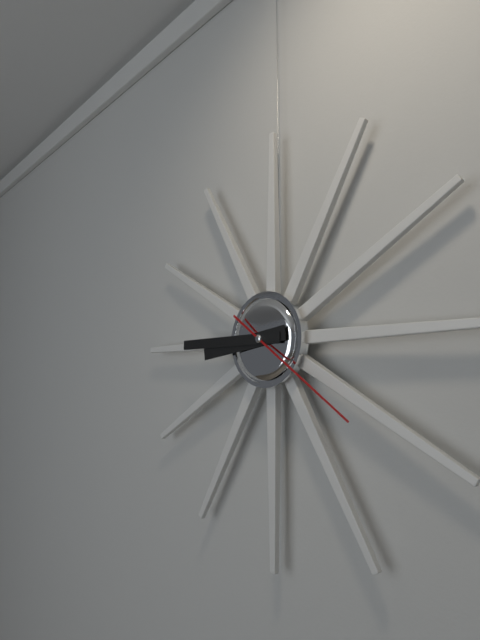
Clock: 8:45:21
